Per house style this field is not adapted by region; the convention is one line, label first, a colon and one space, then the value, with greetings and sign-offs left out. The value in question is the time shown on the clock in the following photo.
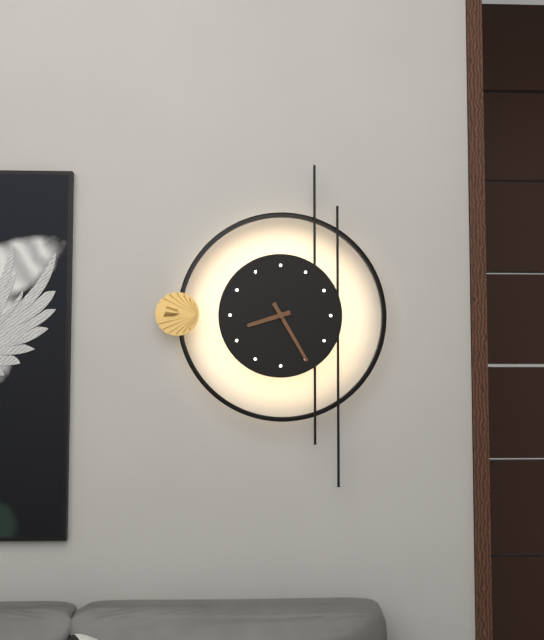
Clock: 8:25
